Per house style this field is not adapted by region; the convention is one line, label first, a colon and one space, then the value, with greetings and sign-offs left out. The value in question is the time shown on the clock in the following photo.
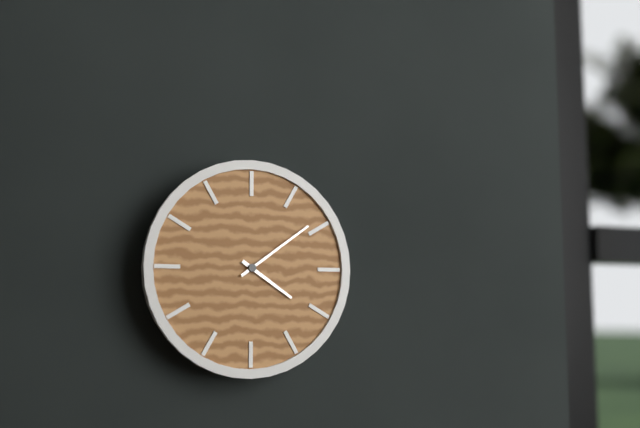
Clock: 4:09
